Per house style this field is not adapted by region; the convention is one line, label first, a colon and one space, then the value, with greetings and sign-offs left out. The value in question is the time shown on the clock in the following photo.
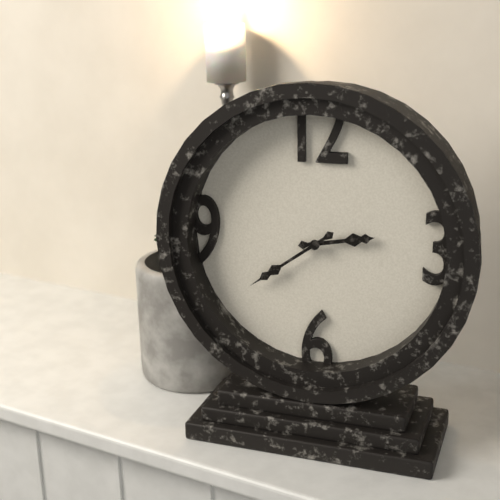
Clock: 2:39
